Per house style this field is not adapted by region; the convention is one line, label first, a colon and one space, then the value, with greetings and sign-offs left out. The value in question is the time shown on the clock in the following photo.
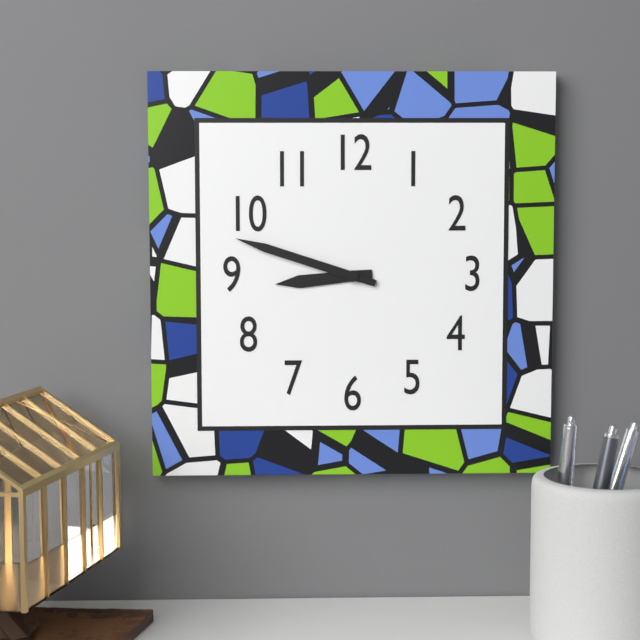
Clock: 8:48
